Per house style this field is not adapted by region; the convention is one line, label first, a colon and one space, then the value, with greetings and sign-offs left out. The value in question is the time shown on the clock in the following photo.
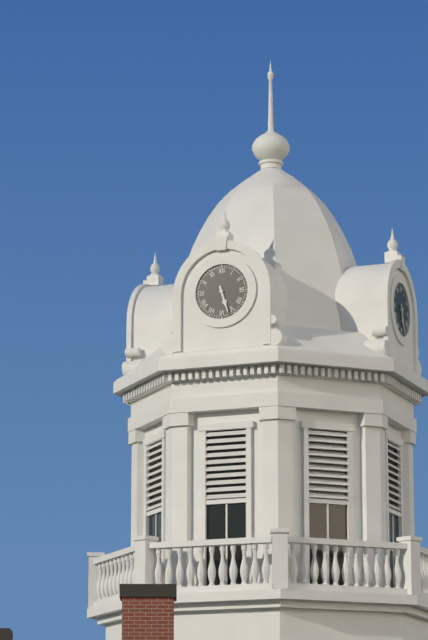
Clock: 5:27
